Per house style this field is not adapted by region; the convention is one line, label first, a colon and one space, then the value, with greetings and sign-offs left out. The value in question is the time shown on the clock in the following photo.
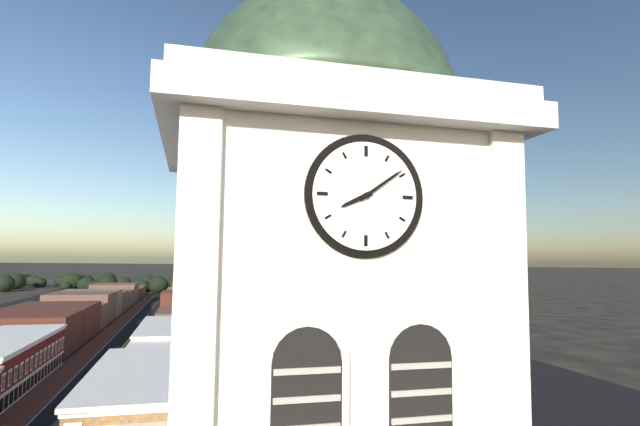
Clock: 8:09
